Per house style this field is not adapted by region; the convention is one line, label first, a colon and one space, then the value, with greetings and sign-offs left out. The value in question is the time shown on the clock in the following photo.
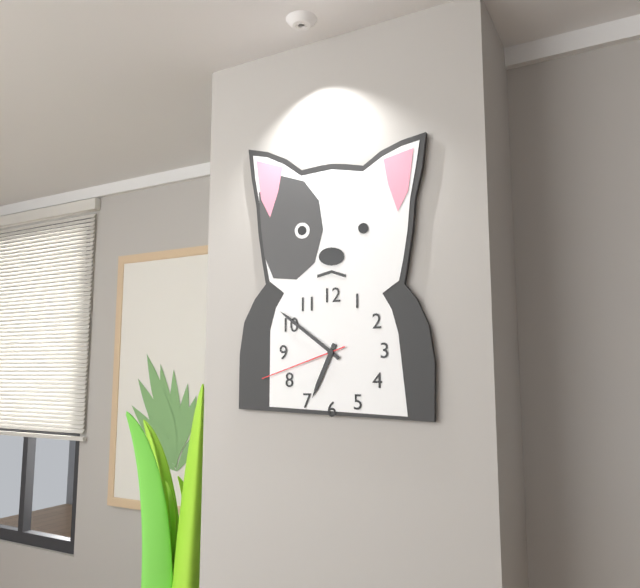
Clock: 6:51:42
